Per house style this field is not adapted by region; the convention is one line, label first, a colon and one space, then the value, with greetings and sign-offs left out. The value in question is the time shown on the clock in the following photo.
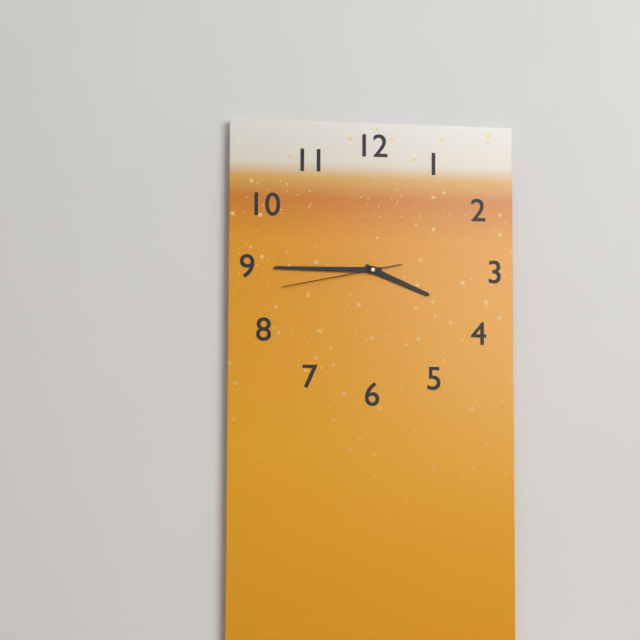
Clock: 3:45:43
